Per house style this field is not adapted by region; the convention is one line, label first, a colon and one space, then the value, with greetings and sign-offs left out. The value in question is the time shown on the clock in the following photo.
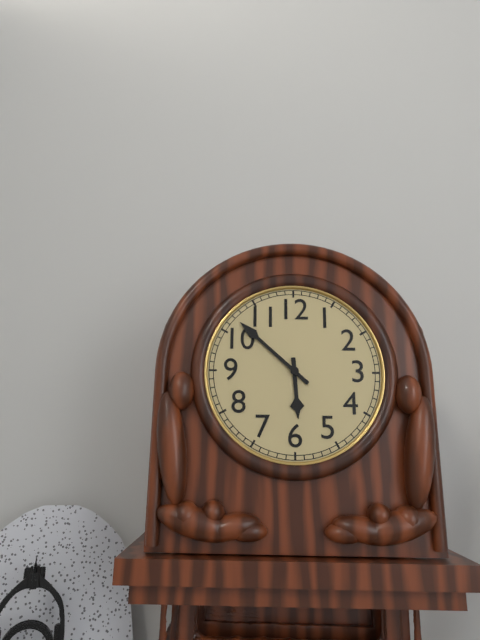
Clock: 5:52
